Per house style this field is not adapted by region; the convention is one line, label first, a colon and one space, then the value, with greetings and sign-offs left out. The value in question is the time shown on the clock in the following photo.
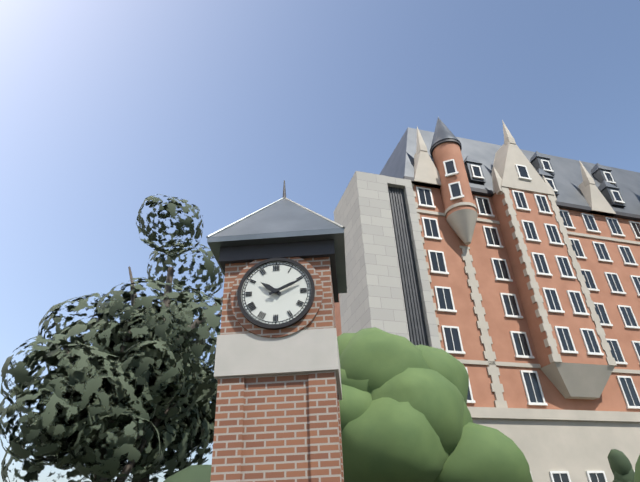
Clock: 10:11
